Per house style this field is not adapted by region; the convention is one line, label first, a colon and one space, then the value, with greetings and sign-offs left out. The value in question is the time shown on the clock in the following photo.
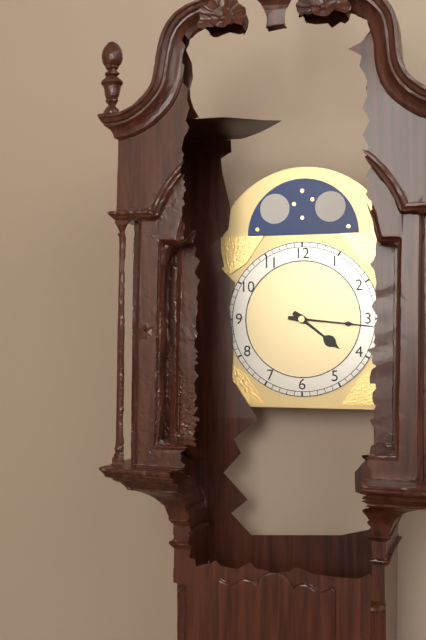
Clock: 4:16
